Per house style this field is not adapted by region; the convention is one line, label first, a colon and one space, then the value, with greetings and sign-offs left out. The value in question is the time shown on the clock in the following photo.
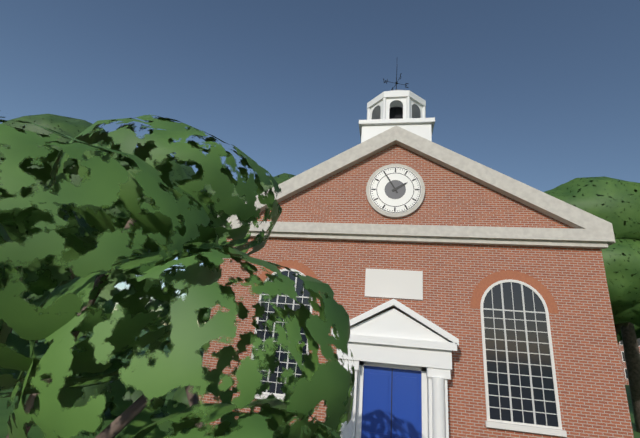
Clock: 1:55
